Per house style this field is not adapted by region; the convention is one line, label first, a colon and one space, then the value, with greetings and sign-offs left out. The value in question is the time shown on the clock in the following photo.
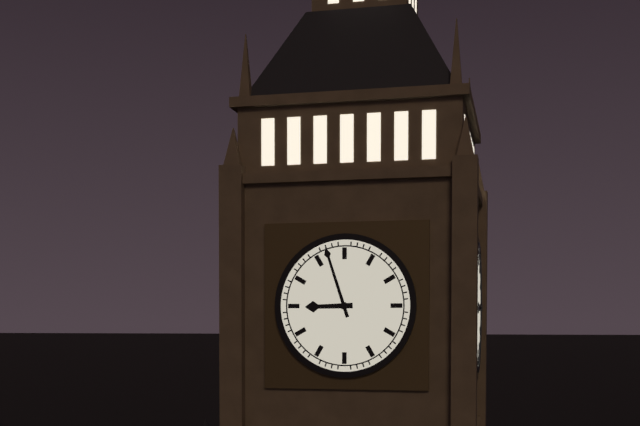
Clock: 8:57
